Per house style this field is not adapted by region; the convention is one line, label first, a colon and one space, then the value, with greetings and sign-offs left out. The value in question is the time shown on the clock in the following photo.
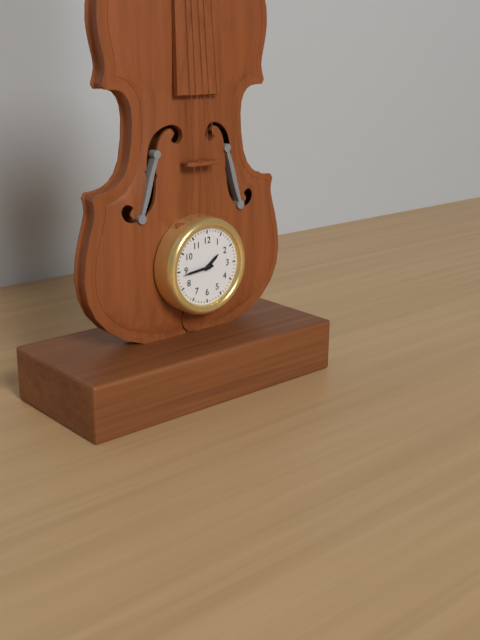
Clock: 1:44
